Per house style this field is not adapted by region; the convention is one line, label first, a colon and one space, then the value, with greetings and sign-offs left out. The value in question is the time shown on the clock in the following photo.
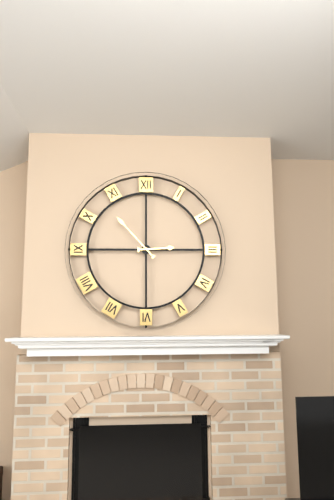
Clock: 2:53
